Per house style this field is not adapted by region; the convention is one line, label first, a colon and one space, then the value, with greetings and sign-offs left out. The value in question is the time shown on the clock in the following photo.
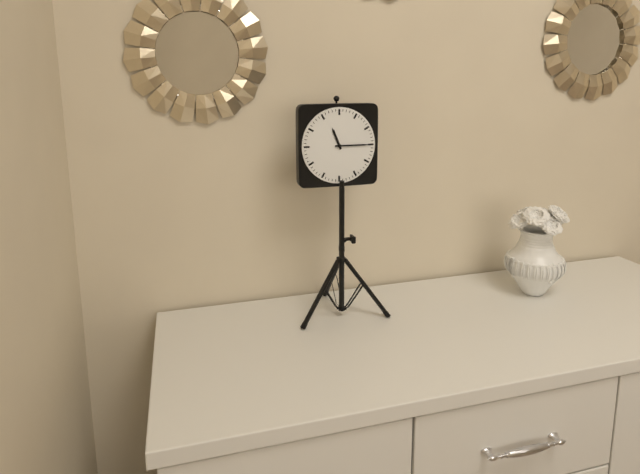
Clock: 11:15
